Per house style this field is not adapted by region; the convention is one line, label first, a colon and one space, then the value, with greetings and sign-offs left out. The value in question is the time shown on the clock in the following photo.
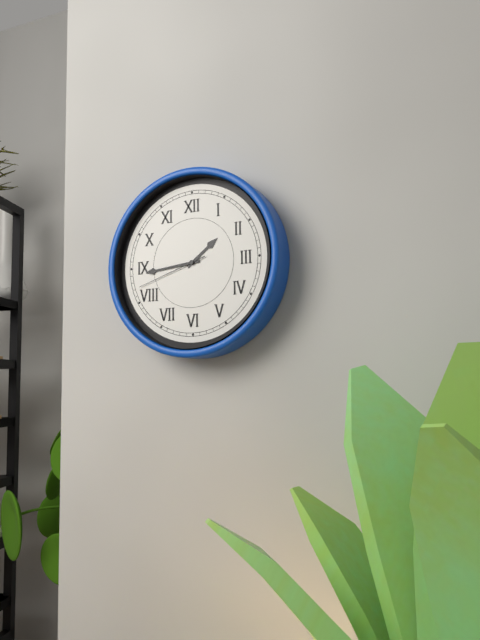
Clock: 1:44:42
